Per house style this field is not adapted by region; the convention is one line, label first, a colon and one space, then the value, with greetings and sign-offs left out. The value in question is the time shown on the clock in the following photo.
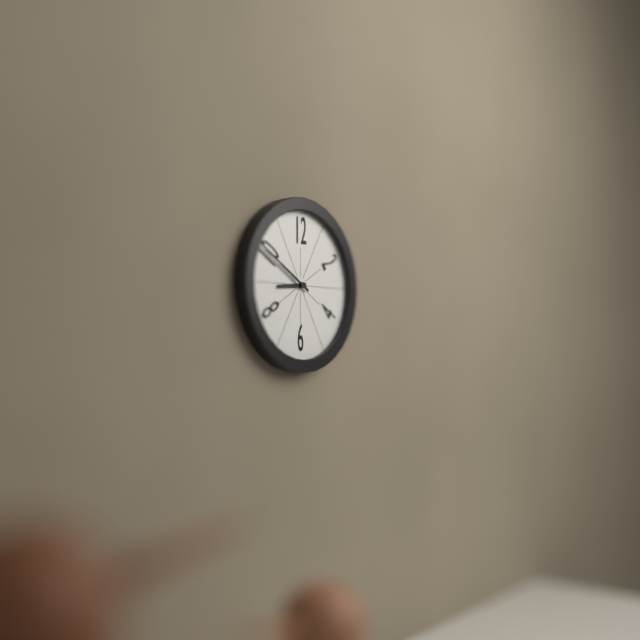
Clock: 8:50
